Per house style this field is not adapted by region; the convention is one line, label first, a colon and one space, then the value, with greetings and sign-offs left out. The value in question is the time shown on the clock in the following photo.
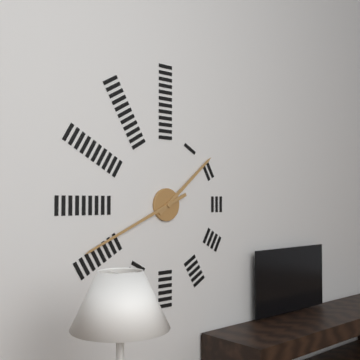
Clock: 1:41
